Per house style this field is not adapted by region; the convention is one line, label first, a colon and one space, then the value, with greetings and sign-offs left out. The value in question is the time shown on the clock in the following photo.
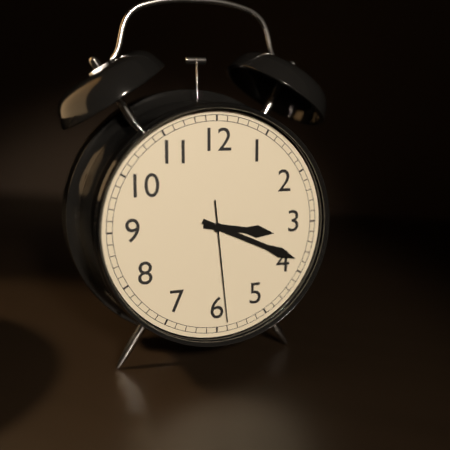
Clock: 3:19:29
